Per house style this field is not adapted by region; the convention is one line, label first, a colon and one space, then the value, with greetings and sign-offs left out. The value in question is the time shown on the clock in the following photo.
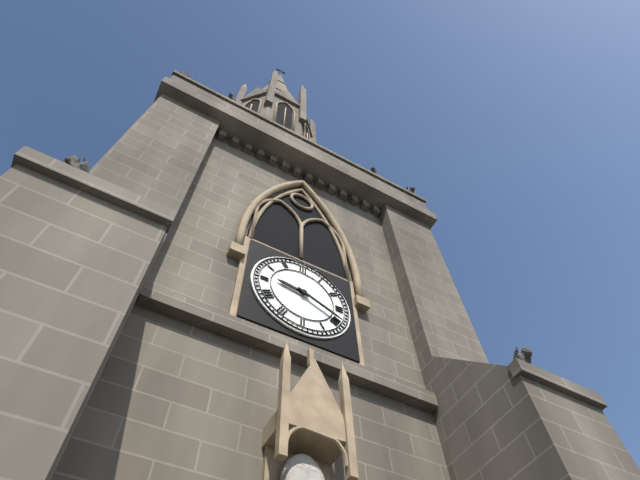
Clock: 9:19
